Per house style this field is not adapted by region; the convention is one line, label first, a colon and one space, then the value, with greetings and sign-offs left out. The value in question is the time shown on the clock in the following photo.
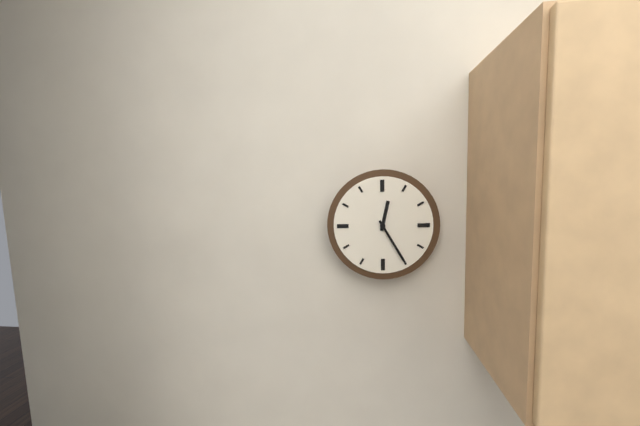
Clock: 12:25
